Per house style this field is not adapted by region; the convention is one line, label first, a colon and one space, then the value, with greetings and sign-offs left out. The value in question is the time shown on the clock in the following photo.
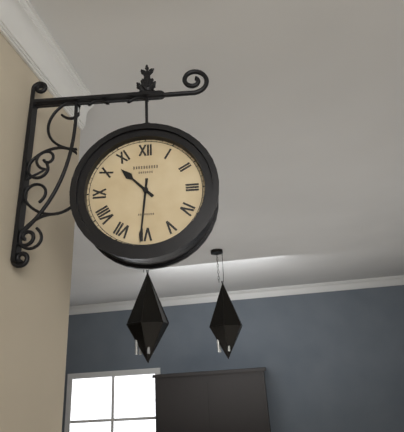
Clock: 10:31
